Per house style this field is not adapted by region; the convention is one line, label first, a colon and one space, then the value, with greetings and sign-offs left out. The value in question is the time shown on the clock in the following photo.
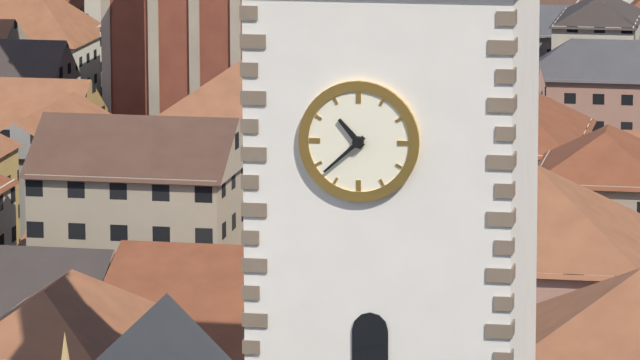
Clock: 10:38
